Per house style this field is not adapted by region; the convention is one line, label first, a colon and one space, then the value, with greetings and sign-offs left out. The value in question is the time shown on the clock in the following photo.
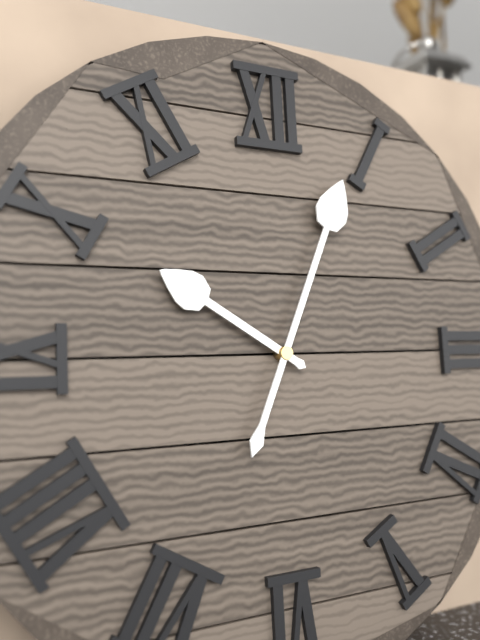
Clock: 10:04
